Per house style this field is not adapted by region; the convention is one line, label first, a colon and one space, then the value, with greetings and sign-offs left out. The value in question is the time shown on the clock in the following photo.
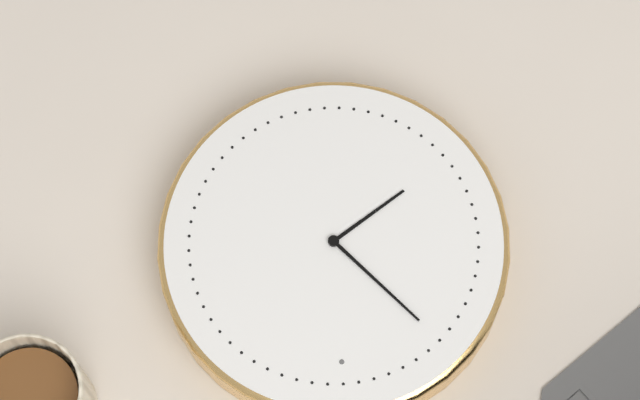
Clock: 7:53
